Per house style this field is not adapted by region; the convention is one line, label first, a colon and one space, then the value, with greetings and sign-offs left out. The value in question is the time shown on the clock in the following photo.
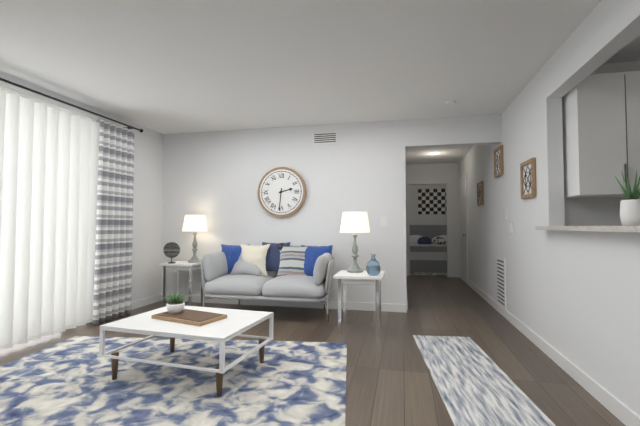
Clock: 2:31
